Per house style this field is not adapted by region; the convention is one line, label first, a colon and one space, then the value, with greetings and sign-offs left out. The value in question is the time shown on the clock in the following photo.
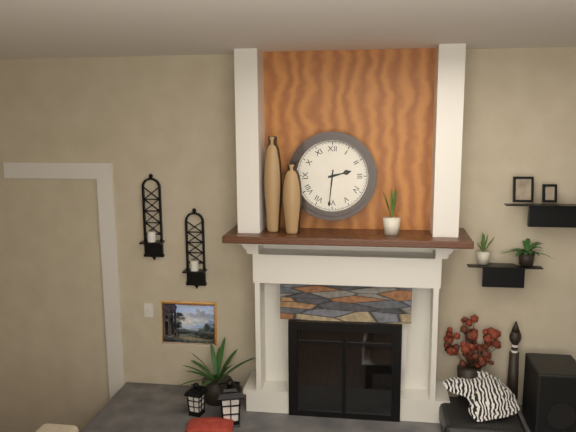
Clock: 2:31
